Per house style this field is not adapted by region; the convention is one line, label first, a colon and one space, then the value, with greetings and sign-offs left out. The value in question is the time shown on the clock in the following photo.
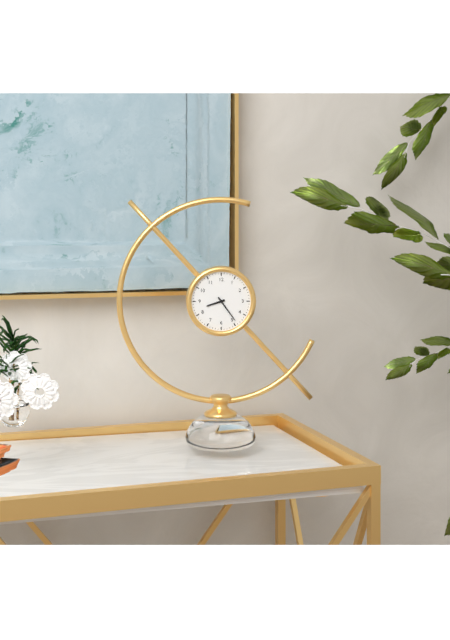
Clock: 8:24
